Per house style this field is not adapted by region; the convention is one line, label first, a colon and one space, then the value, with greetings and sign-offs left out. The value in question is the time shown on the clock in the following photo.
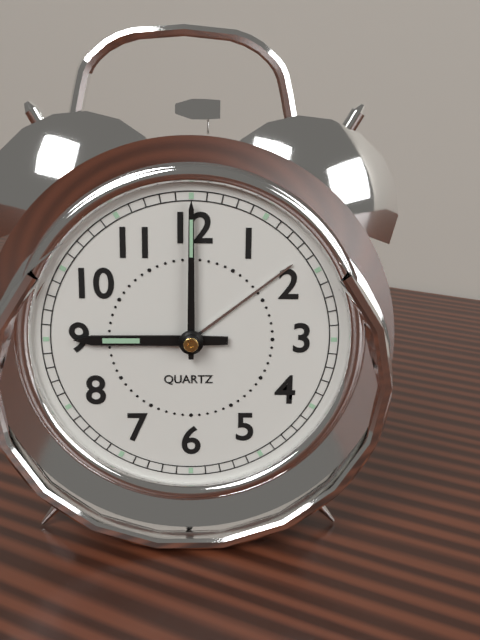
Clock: 9:00
